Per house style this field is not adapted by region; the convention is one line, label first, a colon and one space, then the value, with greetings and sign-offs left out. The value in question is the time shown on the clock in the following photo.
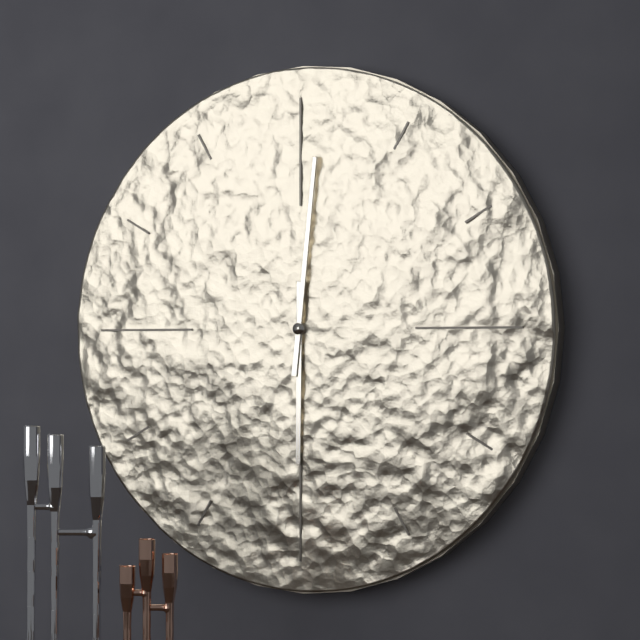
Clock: 6:01
